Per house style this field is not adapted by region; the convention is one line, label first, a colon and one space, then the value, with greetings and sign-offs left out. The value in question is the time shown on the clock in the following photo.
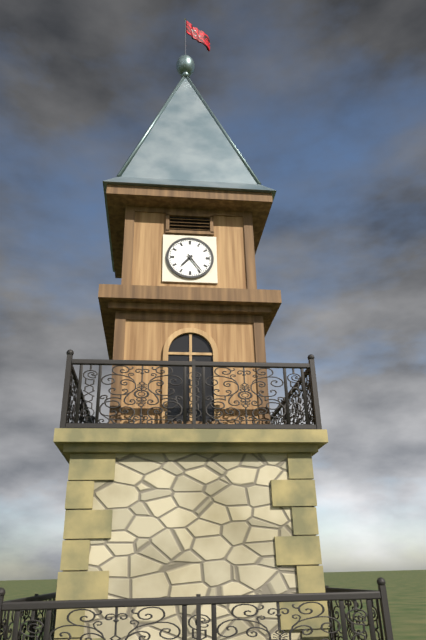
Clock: 7:24
